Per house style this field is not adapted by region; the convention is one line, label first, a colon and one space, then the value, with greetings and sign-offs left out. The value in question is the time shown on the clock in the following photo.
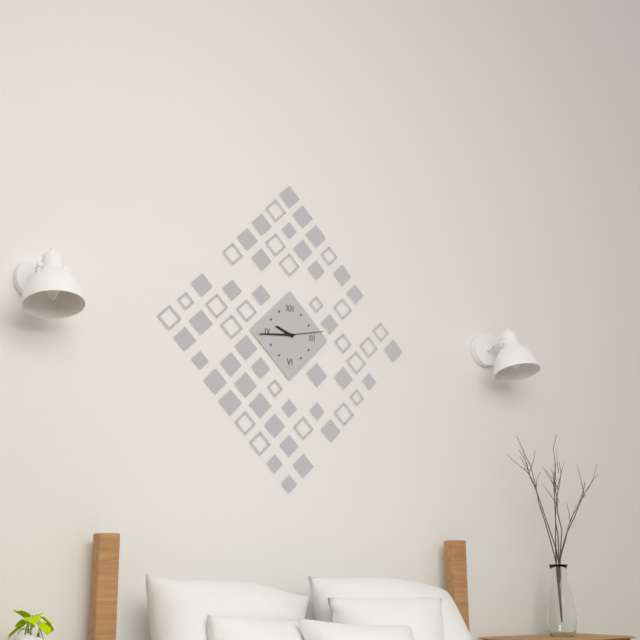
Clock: 9:44
